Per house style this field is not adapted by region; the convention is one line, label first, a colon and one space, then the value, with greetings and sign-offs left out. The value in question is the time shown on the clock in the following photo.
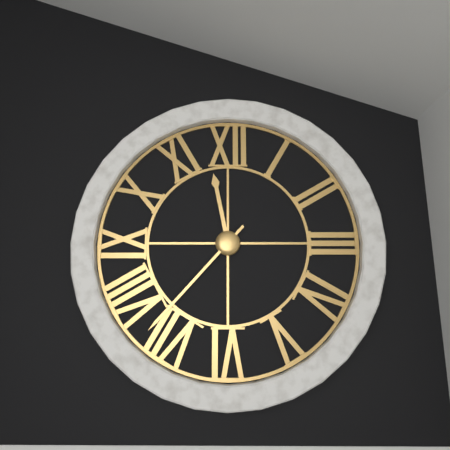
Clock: 11:37
